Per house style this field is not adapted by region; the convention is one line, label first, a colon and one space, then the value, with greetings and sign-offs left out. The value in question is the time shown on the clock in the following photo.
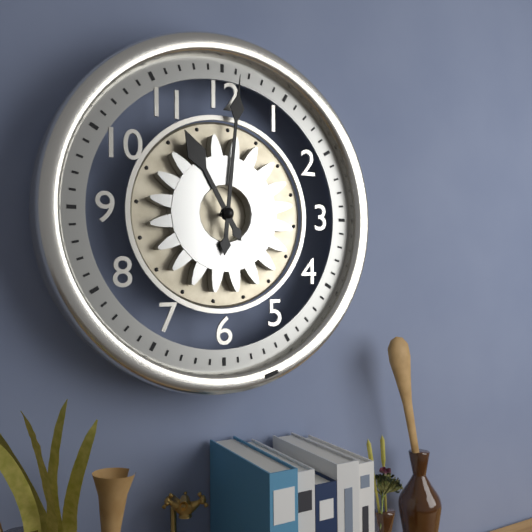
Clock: 11:01
